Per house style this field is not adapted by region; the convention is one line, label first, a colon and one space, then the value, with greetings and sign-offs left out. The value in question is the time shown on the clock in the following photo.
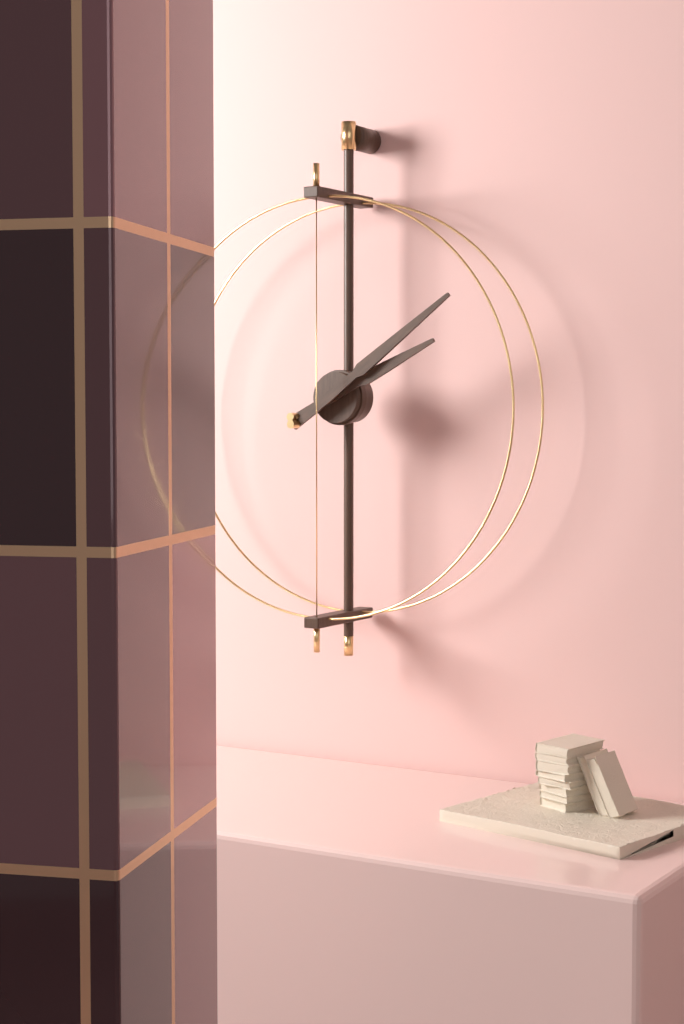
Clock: 2:09
